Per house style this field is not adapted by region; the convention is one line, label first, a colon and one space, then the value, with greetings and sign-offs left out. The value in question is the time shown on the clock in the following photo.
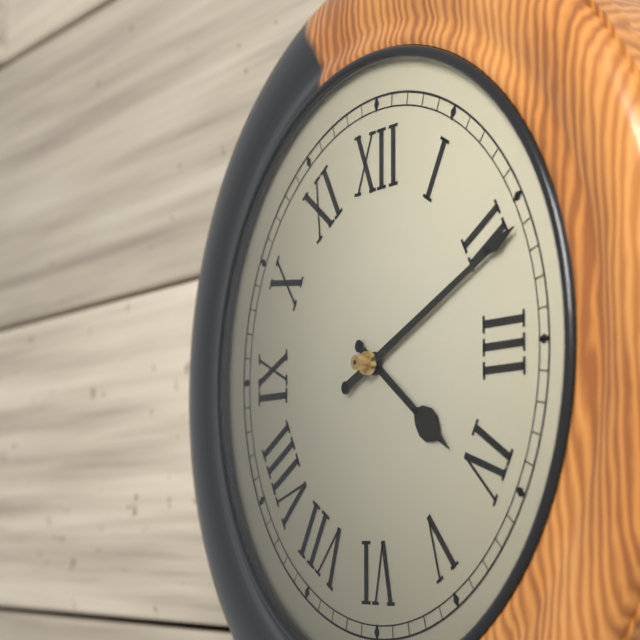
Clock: 4:11
